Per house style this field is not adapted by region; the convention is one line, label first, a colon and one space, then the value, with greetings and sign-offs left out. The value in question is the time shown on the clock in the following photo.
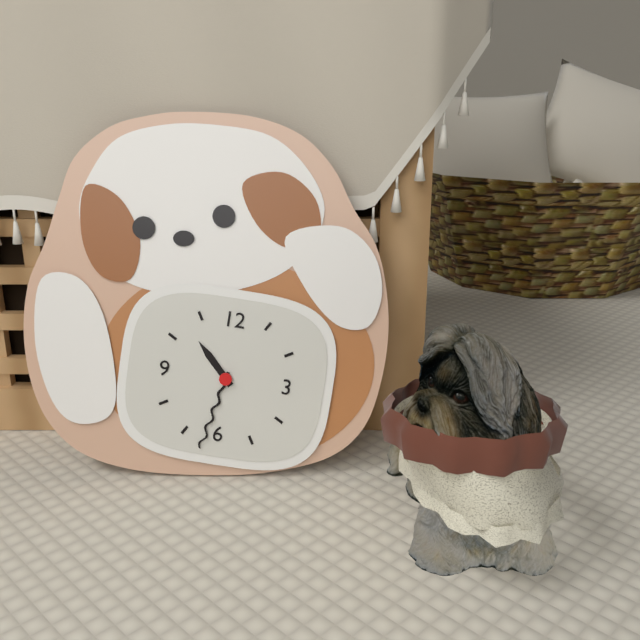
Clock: 10:32
